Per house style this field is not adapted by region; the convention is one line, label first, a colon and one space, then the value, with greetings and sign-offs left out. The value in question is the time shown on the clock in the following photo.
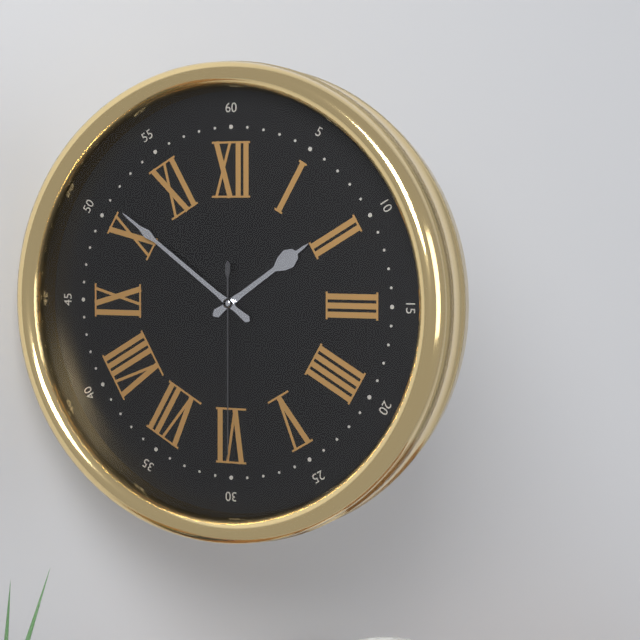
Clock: 1:51:30
